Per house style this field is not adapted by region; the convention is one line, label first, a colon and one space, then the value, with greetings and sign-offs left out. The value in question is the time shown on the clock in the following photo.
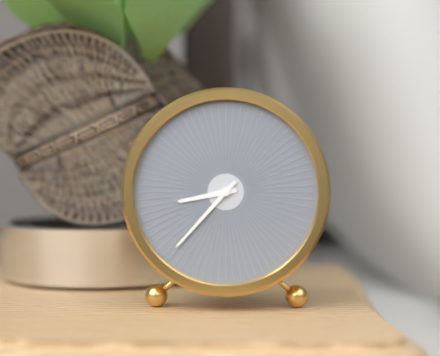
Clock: 8:37
